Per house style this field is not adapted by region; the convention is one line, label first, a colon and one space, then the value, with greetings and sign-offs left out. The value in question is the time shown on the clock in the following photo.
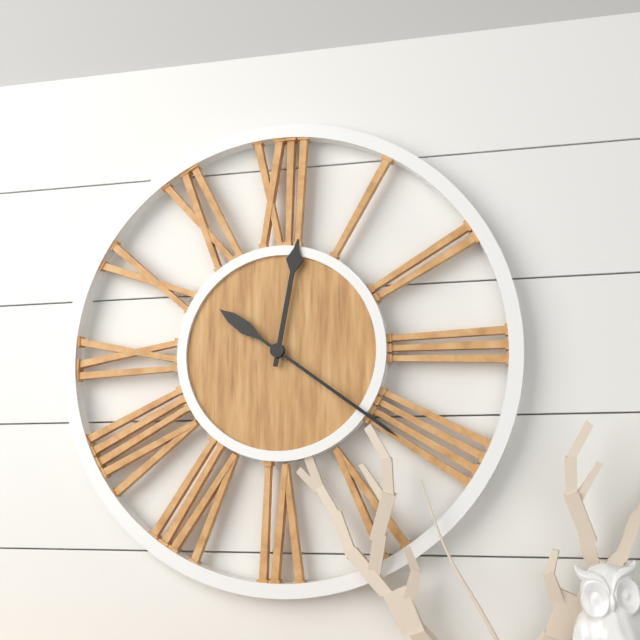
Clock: 12:21
